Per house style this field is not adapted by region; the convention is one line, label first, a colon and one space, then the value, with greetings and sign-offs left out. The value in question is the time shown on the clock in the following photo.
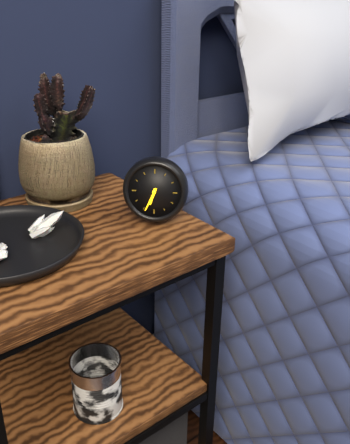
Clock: 6:34
